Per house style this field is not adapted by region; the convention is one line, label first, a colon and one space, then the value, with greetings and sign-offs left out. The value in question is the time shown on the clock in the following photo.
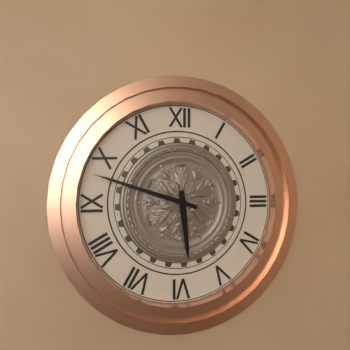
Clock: 5:48
